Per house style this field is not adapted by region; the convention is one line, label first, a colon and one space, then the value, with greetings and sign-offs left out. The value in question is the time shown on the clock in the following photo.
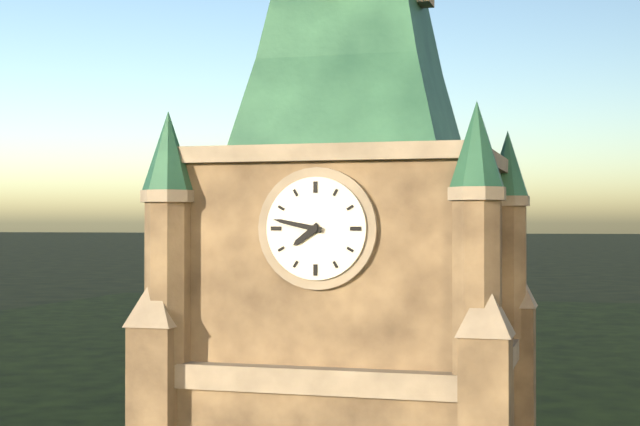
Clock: 7:47
